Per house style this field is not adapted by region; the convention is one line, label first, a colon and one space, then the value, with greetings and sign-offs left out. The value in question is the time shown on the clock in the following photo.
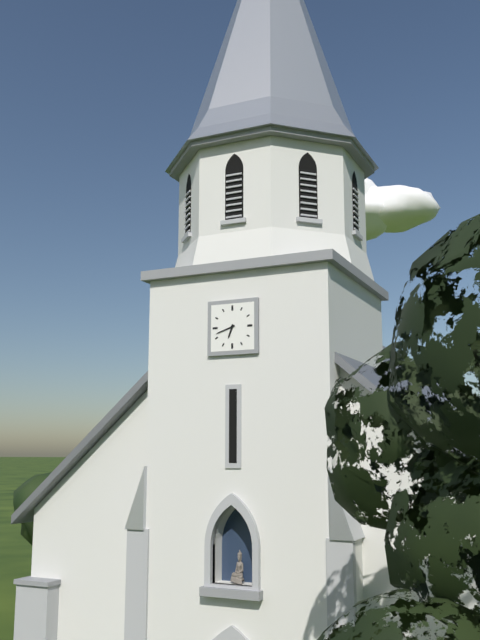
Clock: 6:42
